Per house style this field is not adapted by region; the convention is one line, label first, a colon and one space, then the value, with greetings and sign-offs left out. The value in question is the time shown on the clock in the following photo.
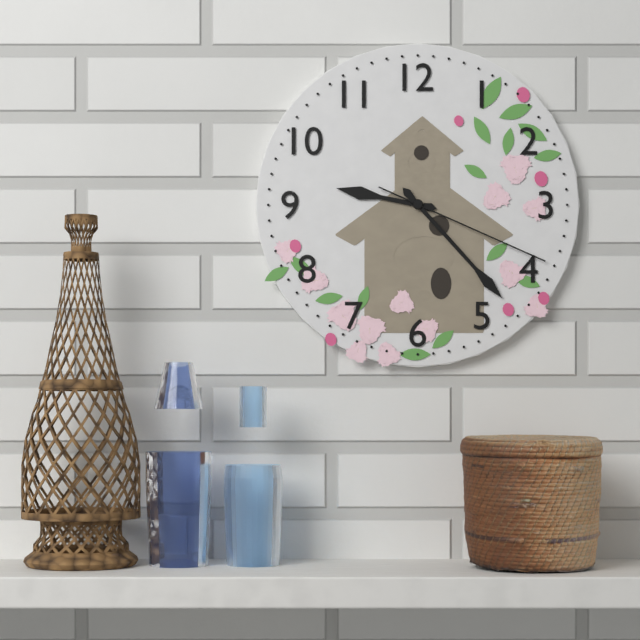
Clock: 9:23:19
